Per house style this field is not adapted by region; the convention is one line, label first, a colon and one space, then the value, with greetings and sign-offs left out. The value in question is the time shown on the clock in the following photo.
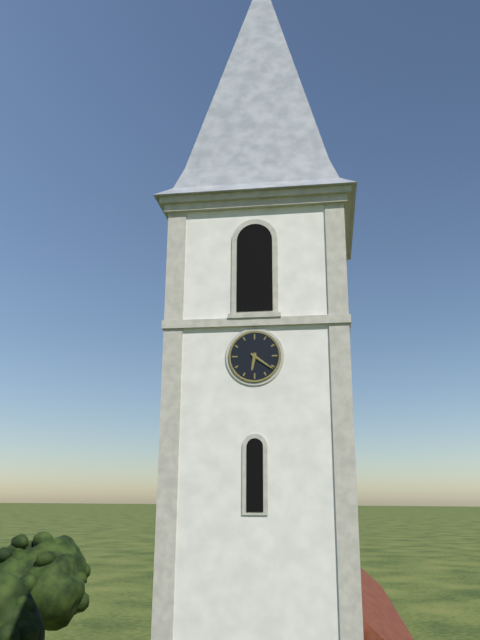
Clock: 6:21
